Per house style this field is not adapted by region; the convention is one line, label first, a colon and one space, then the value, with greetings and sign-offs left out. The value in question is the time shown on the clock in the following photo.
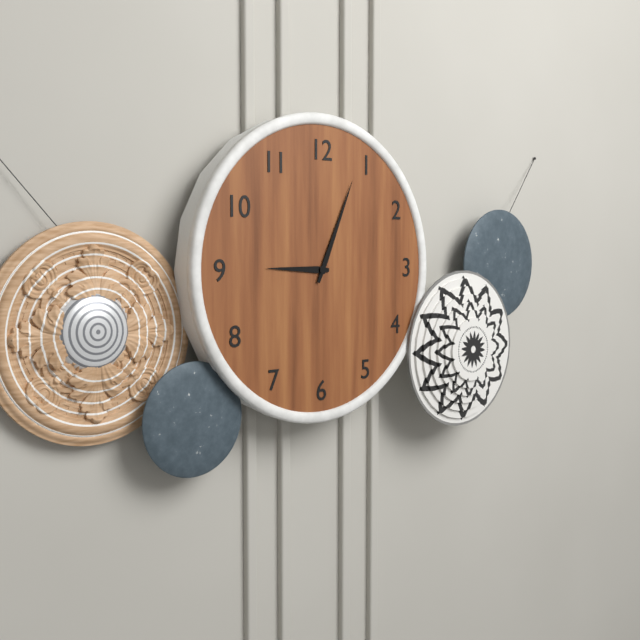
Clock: 9:04
